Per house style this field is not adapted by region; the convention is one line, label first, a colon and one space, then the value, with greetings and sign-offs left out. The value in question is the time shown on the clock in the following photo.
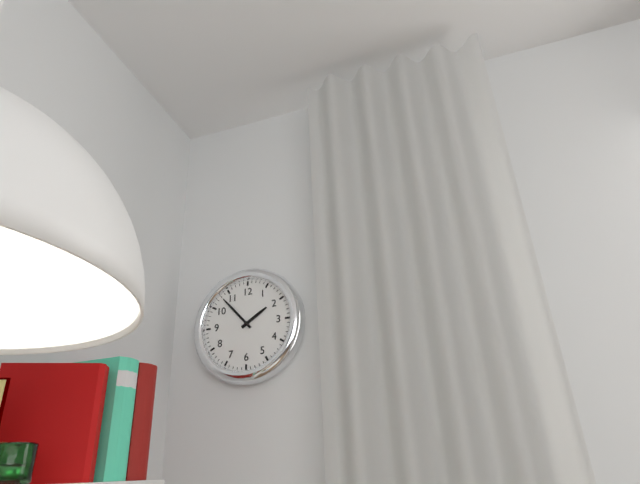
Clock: 1:53
